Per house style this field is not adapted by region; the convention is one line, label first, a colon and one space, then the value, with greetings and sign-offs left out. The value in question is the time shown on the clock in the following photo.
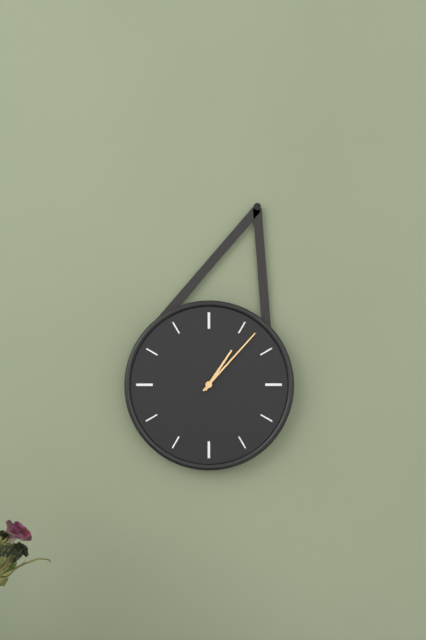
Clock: 1:07
